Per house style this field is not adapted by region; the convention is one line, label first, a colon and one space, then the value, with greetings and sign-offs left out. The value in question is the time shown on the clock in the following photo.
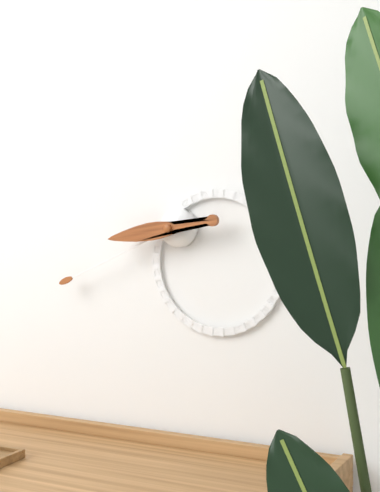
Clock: 8:41
